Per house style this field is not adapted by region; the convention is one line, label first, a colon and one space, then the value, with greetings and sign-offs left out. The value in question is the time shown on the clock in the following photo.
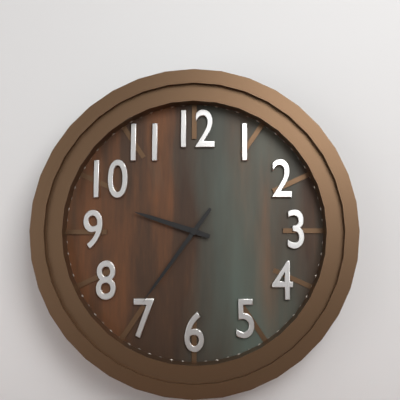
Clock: 9:36
